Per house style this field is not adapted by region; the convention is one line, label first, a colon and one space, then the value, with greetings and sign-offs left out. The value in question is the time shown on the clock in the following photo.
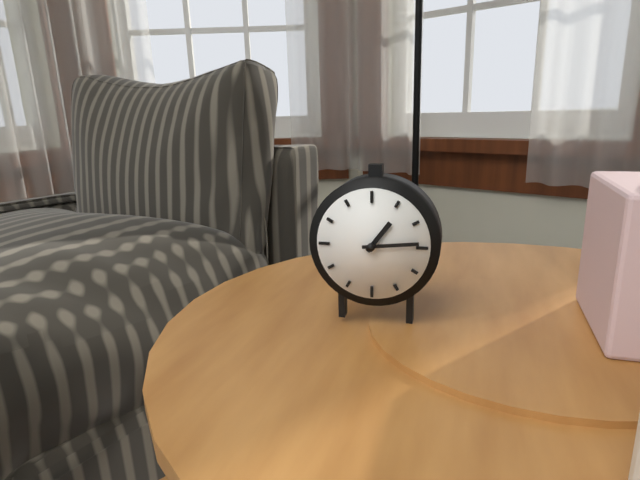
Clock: 1:14
